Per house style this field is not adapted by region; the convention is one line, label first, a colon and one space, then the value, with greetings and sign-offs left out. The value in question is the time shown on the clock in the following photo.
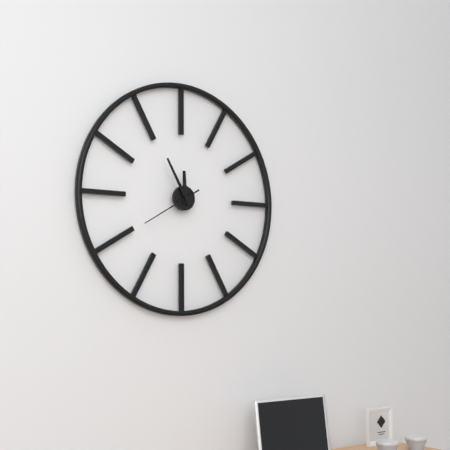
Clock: 11:55:40
